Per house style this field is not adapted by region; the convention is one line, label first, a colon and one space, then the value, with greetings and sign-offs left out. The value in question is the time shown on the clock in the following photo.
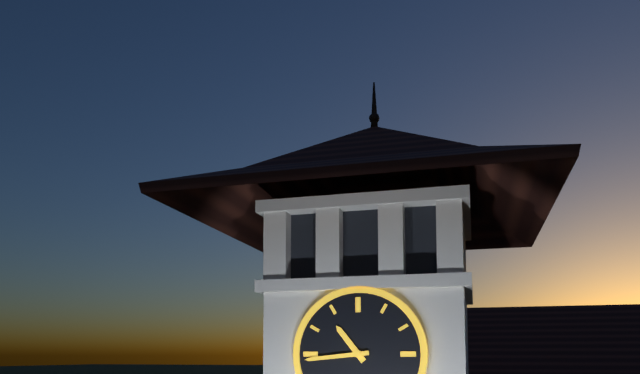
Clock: 10:44
